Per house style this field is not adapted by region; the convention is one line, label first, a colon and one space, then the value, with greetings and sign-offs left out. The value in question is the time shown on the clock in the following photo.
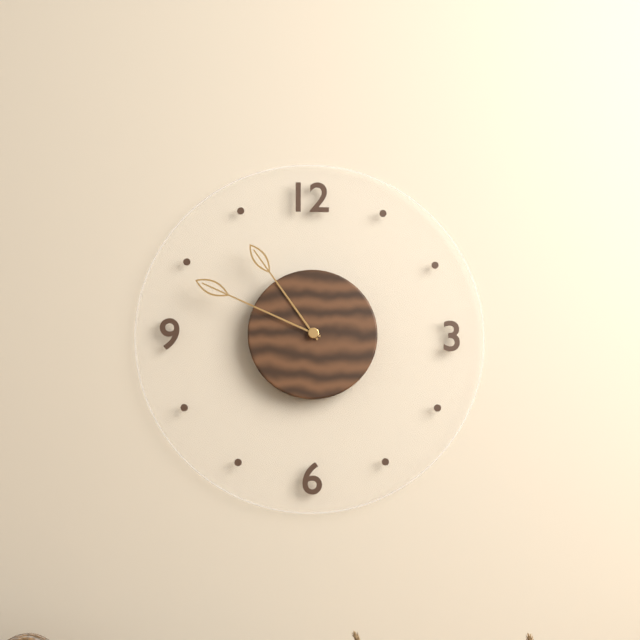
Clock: 10:49
